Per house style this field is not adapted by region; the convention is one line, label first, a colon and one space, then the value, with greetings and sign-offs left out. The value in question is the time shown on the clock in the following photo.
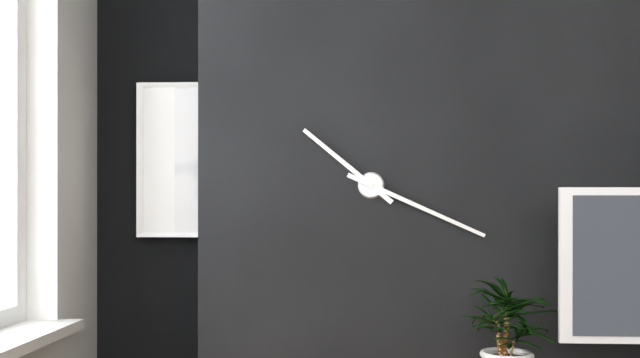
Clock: 10:19
